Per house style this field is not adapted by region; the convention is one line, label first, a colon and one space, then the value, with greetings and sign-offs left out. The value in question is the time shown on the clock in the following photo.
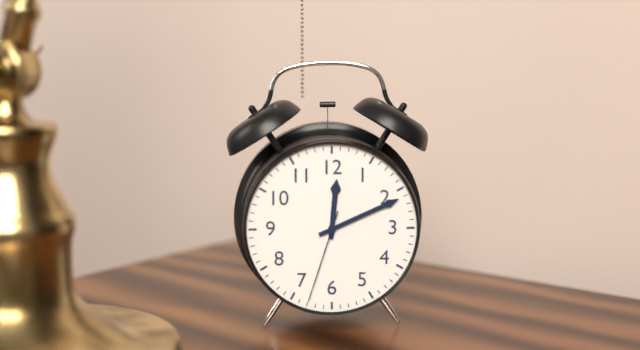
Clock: 12:11:33
